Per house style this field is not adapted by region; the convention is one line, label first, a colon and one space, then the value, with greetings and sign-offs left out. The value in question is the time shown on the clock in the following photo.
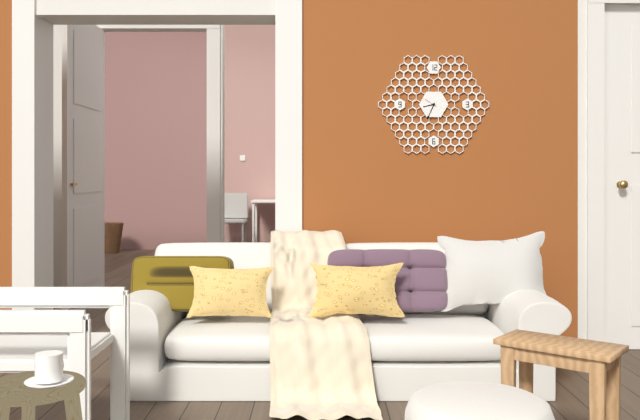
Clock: 8:34
